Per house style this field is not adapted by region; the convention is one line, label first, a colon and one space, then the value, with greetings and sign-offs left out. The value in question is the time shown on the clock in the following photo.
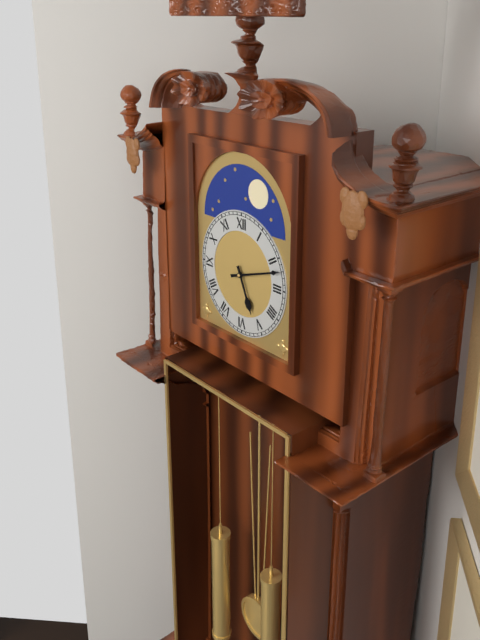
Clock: 5:12
